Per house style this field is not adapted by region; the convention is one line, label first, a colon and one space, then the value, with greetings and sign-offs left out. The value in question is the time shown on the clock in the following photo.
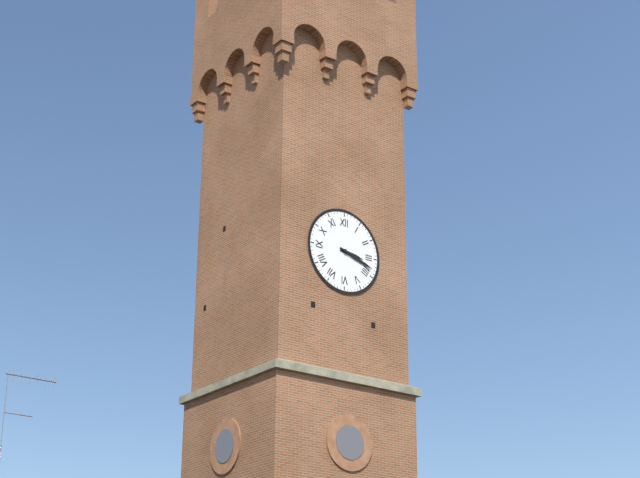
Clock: 3:18
